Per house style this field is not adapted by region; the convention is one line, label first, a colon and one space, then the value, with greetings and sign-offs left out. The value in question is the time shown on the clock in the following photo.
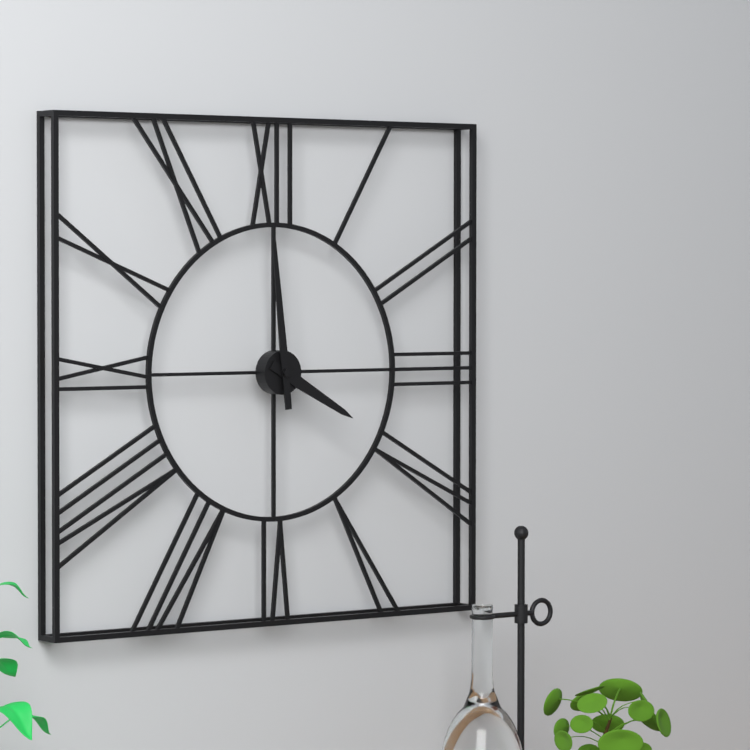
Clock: 3:59
